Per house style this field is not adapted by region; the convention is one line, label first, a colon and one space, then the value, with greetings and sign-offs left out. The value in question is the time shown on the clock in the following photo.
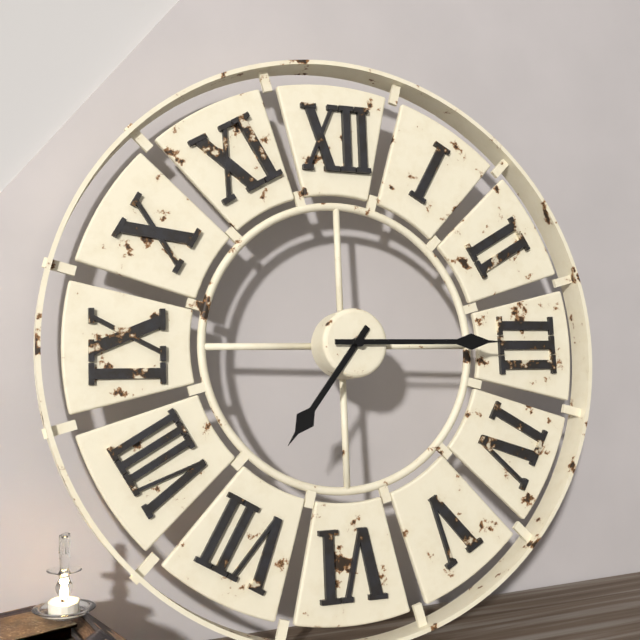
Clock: 7:15
